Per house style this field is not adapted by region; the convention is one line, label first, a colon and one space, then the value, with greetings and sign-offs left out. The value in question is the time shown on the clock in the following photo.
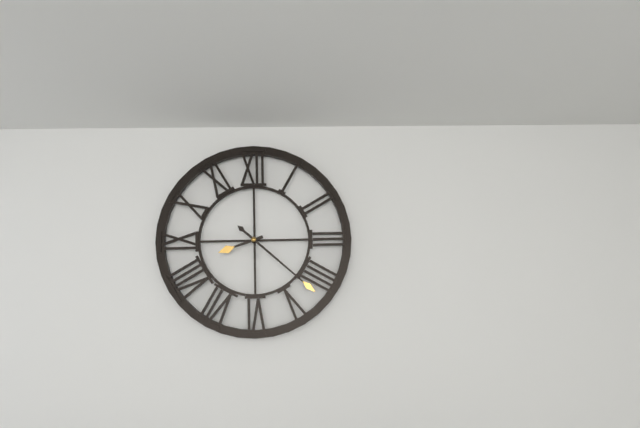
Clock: 8:22
